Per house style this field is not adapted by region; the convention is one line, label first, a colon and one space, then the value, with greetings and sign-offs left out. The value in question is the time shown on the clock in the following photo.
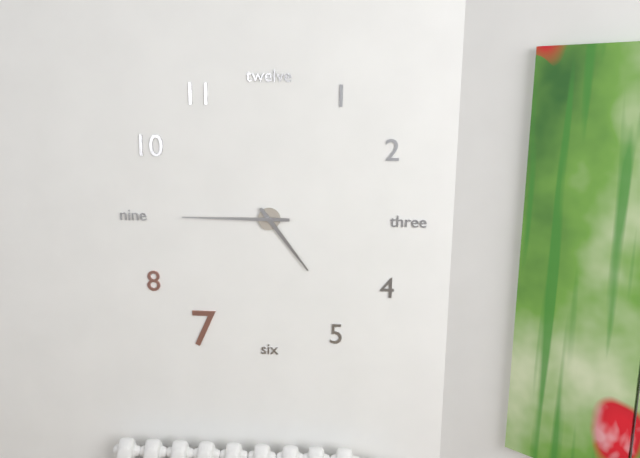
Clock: 4:45
